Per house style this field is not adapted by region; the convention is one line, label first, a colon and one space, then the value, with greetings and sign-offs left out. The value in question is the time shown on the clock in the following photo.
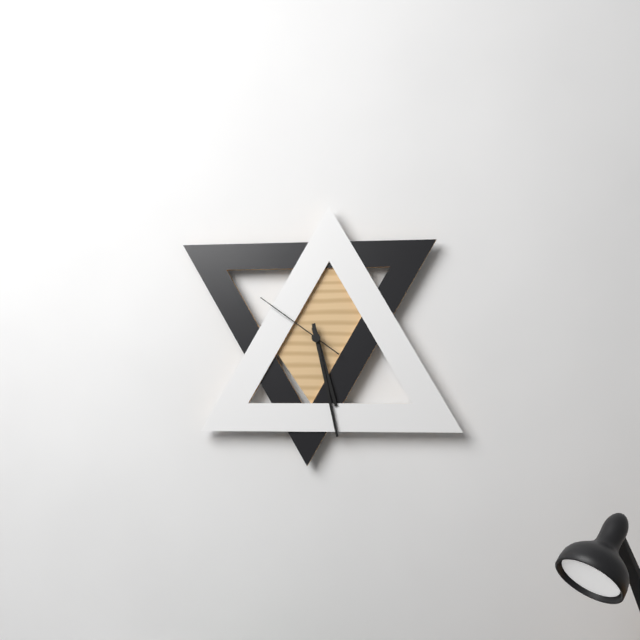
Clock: 5:28:51
